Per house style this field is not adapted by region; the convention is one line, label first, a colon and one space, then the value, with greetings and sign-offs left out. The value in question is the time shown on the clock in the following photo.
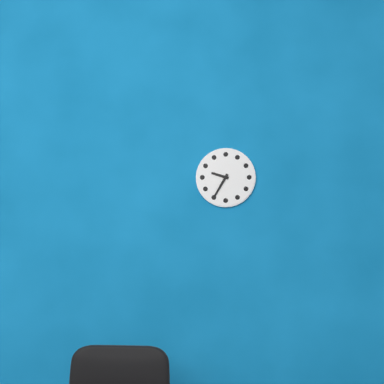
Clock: 9:35
